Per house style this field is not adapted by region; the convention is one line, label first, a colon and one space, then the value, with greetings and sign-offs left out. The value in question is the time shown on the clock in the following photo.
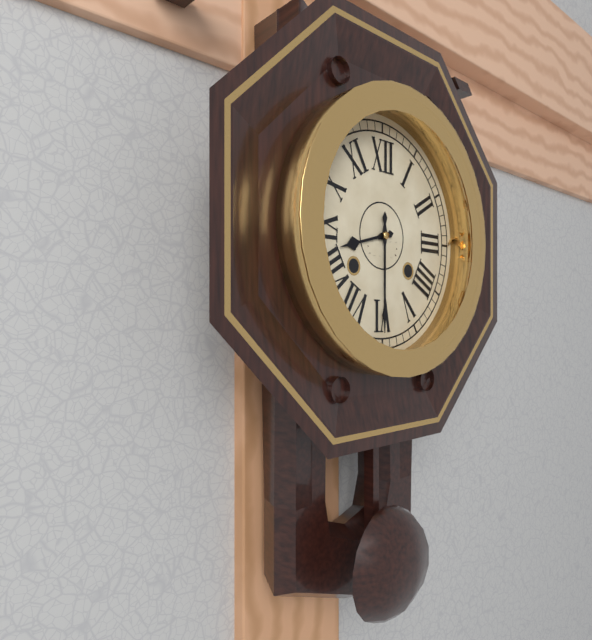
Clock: 8:30
